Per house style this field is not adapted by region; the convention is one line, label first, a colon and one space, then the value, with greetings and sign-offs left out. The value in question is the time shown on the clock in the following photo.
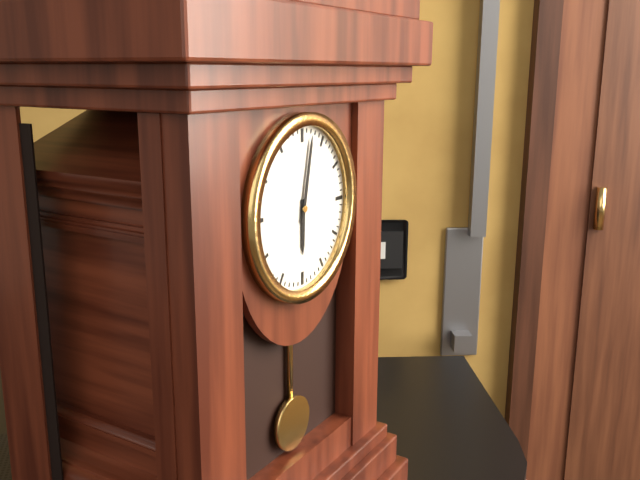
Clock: 6:02
